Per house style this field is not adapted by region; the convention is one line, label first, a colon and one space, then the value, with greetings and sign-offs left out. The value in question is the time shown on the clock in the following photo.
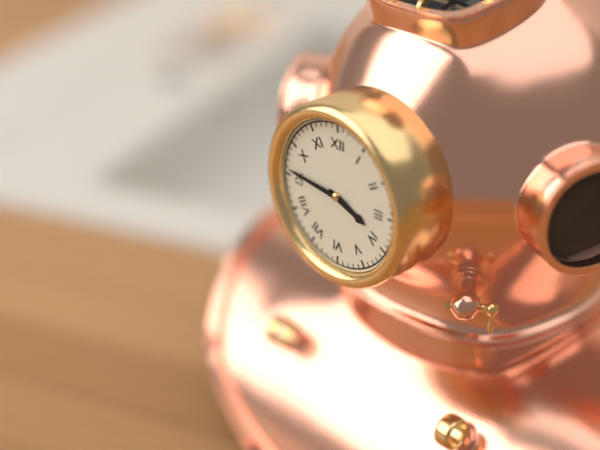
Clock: 3:46
